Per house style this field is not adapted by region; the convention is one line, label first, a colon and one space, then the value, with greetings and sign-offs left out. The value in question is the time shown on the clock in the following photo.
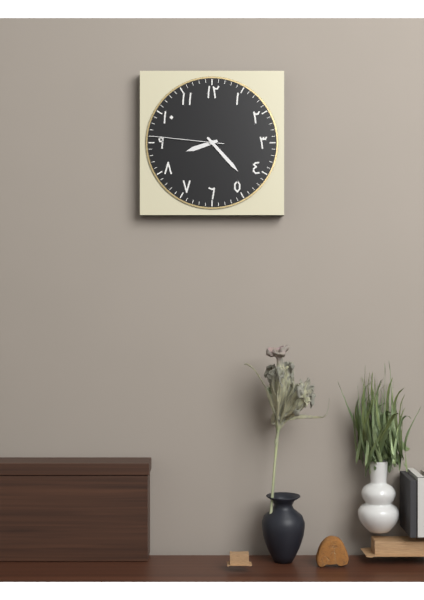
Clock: 8:23:46
